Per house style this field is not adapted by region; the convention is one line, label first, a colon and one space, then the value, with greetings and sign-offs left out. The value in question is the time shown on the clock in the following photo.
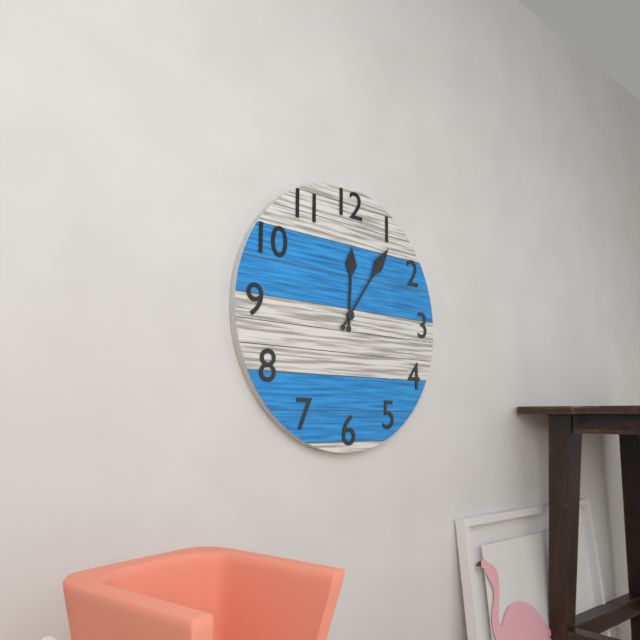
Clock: 12:06
